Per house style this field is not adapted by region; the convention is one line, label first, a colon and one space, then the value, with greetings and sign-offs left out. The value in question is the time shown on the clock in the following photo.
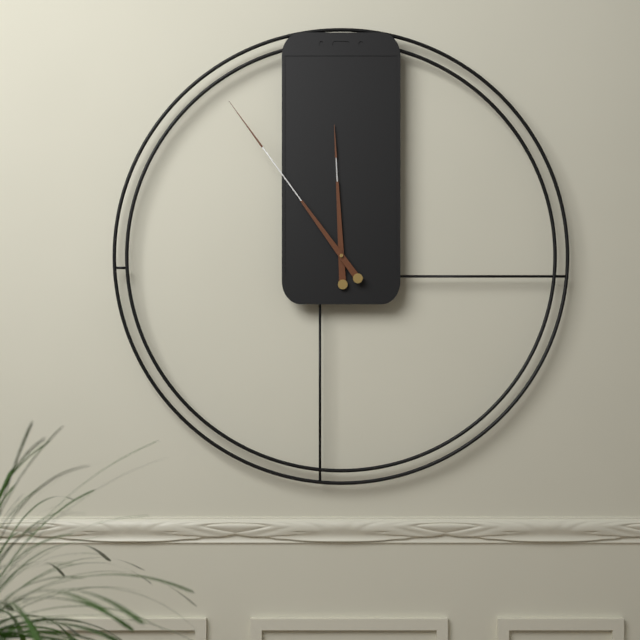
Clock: 11:54
